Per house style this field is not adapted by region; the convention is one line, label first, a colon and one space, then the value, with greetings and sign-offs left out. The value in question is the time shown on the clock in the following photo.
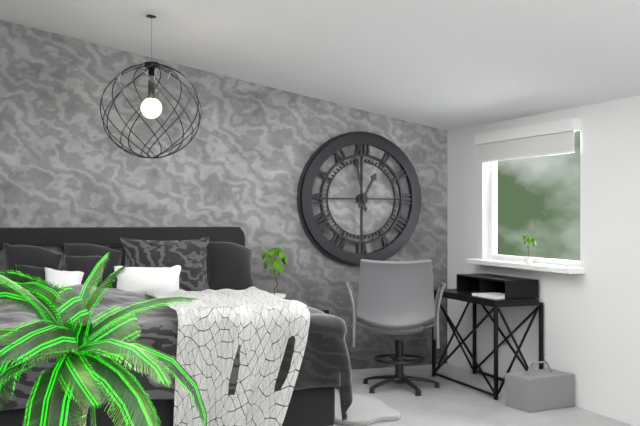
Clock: 12:58
